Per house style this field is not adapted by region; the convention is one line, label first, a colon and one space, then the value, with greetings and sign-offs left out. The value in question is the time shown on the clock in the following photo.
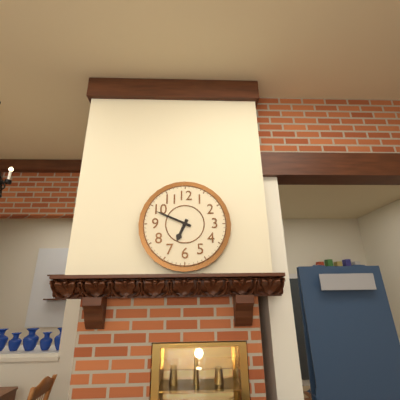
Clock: 6:49
